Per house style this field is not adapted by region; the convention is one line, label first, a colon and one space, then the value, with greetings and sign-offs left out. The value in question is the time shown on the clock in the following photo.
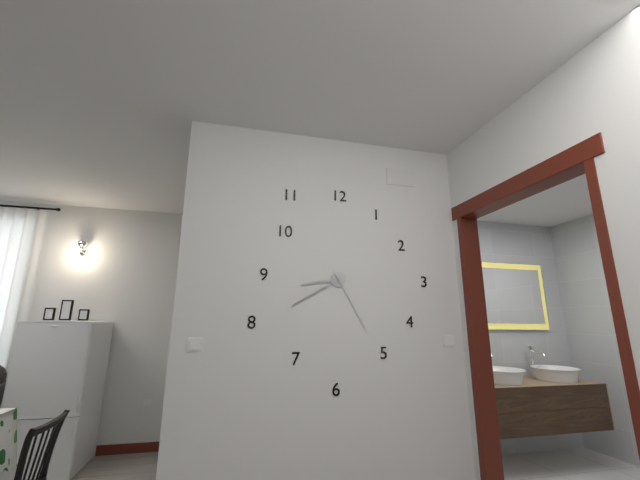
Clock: 8:40:25
